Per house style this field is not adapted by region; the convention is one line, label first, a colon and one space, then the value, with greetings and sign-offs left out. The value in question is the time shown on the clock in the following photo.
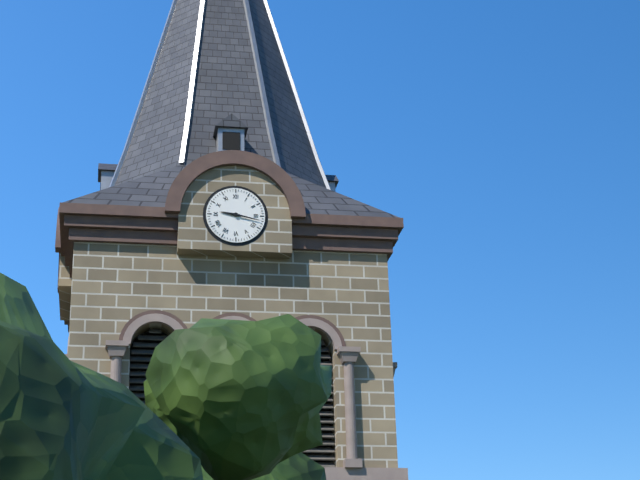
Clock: 9:17
